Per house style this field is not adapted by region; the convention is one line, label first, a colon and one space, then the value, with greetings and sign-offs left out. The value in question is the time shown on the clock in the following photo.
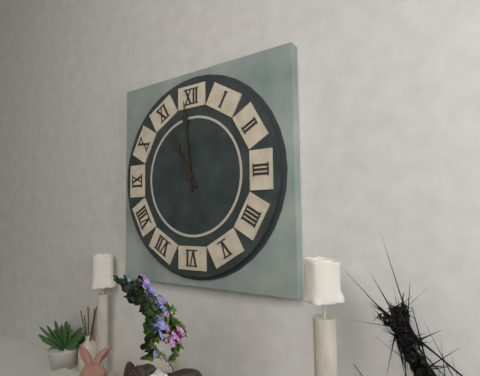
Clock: 10:59
